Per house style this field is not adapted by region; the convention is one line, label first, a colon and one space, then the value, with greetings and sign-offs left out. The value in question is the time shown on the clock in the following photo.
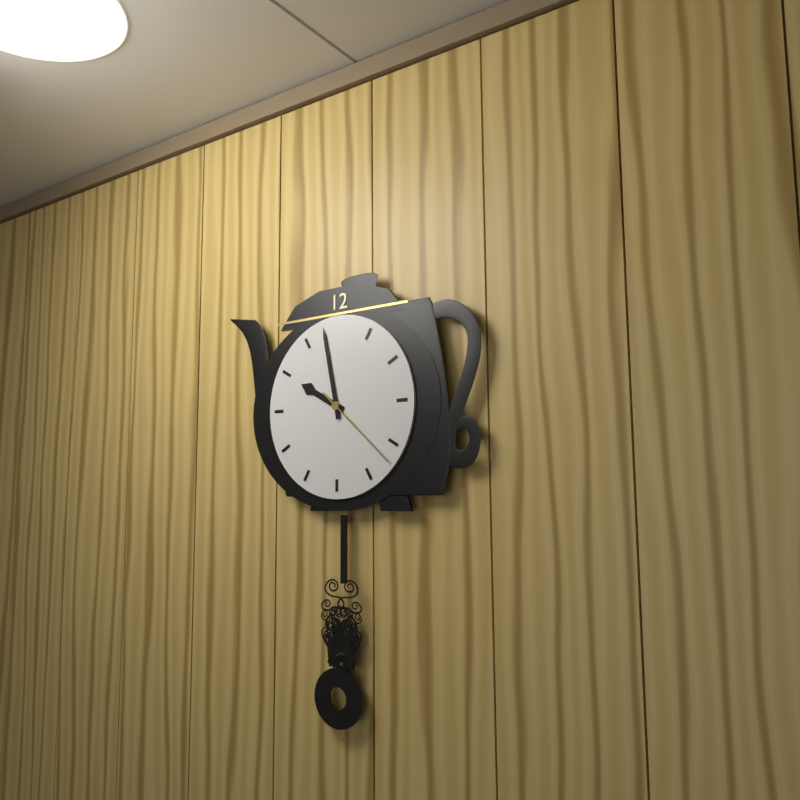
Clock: 9:58:22
